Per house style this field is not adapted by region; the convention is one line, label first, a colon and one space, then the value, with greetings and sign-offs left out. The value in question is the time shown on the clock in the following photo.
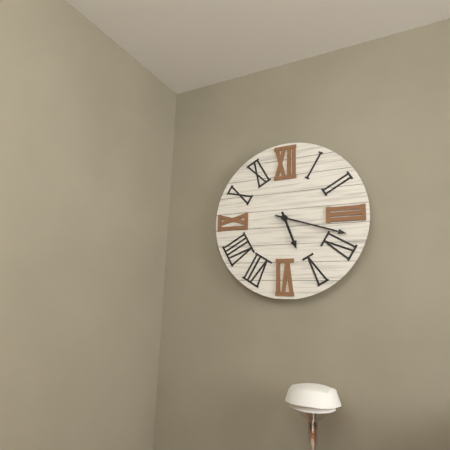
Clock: 5:18
